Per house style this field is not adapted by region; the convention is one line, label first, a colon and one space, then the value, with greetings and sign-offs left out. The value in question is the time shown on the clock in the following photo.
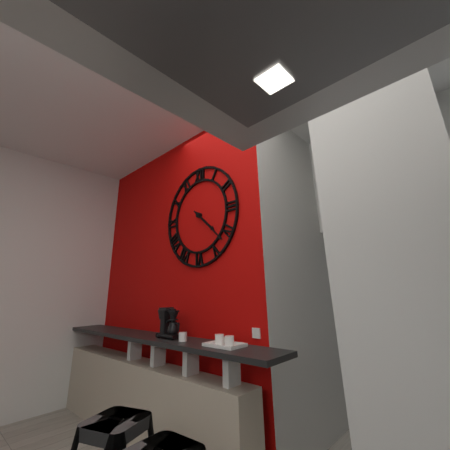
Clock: 4:22
